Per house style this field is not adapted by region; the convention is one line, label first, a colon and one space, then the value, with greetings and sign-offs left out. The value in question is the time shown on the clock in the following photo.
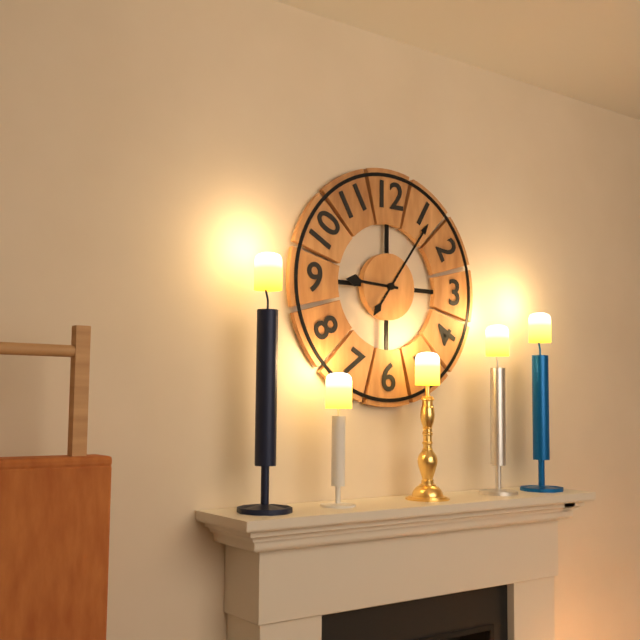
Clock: 9:06
